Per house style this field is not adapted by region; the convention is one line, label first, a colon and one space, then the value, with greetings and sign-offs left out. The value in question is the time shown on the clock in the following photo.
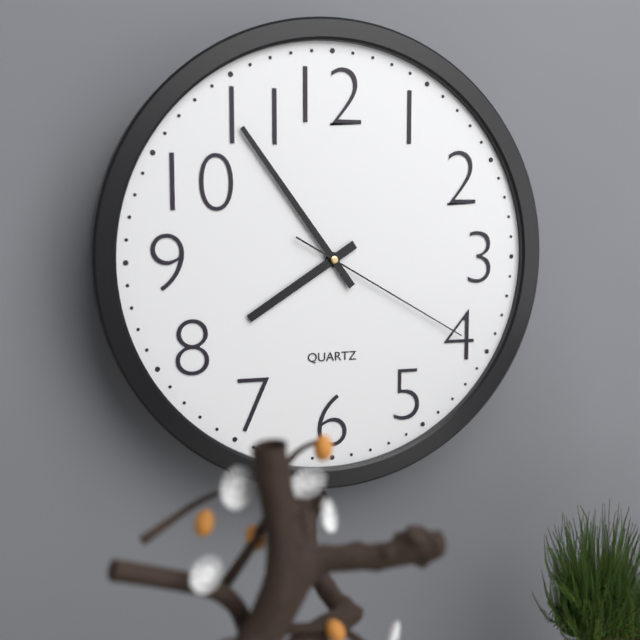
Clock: 7:54:20
